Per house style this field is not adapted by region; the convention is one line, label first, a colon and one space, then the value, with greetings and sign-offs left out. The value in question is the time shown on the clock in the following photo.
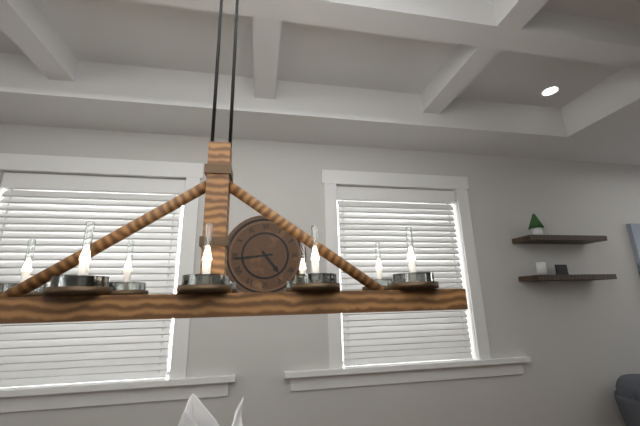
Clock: 4:44
